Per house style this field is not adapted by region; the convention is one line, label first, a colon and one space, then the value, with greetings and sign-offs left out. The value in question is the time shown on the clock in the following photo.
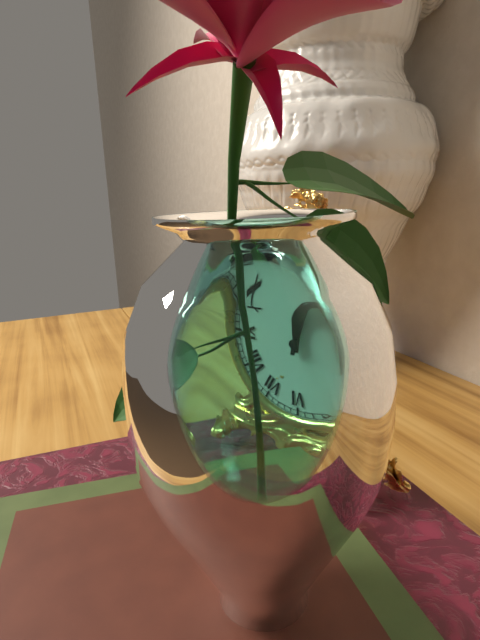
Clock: 12:02
